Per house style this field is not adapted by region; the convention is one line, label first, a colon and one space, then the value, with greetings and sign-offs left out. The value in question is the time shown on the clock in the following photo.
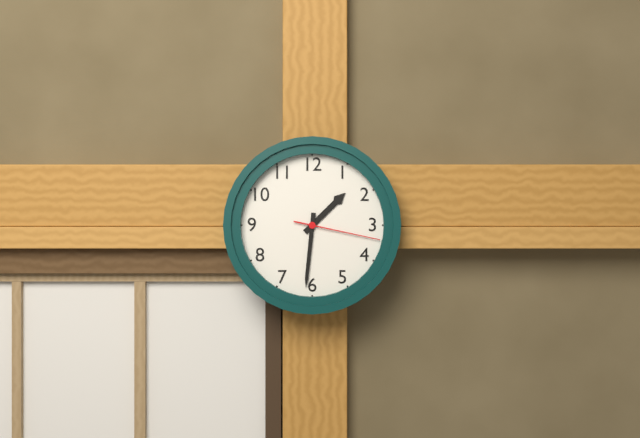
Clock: 1:31:17
